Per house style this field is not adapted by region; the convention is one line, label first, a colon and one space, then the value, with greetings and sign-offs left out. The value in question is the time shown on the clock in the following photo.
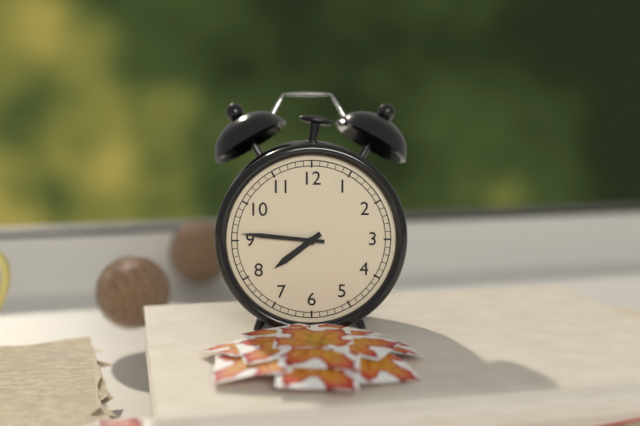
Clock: 7:46
